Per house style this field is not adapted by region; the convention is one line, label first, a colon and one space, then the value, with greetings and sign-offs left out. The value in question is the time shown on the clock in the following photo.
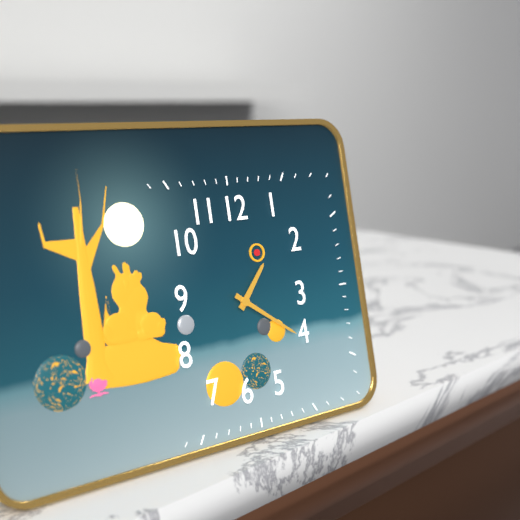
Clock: 1:21
